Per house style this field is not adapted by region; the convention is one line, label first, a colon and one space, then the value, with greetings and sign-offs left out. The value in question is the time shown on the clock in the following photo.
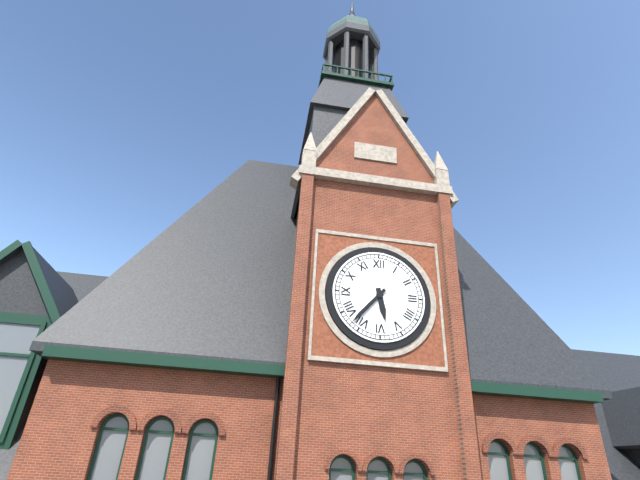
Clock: 5:37
